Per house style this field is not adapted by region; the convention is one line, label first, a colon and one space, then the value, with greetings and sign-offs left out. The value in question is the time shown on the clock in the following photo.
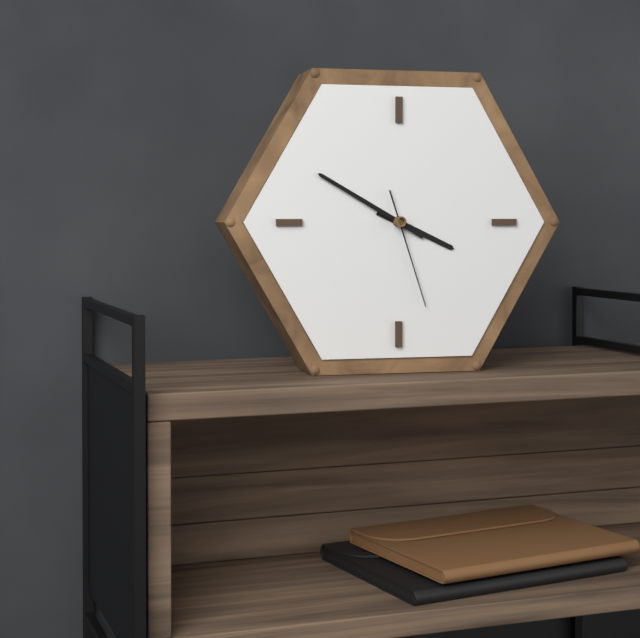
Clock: 3:50:27
